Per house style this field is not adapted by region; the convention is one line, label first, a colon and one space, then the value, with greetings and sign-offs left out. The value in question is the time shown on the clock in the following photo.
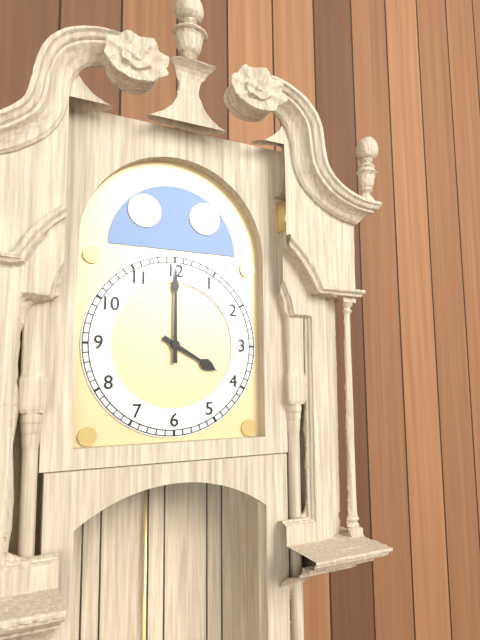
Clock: 4:00
